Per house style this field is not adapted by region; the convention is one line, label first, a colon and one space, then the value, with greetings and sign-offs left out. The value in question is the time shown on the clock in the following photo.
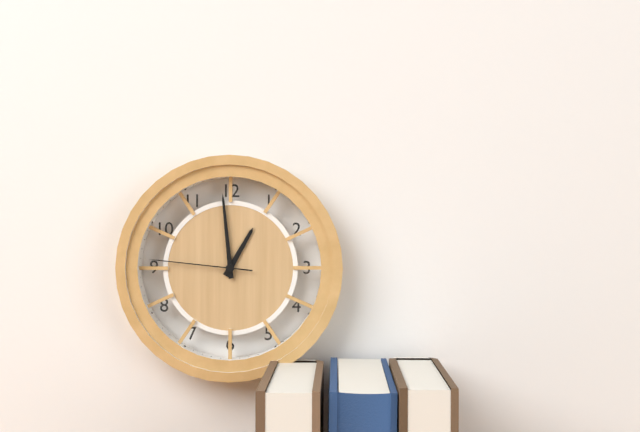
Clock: 12:59:46
